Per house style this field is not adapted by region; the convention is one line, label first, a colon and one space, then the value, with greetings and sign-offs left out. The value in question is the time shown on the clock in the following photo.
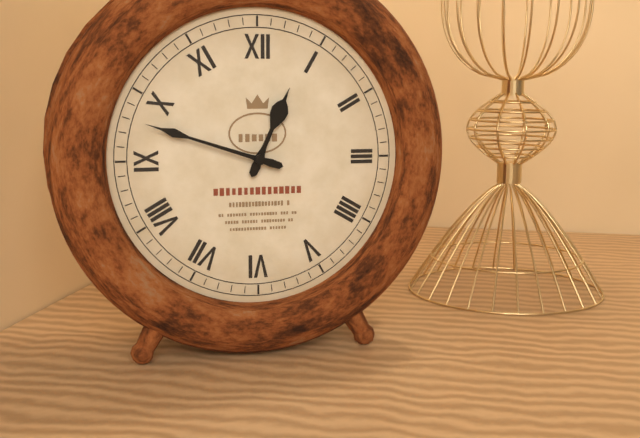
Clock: 12:48
